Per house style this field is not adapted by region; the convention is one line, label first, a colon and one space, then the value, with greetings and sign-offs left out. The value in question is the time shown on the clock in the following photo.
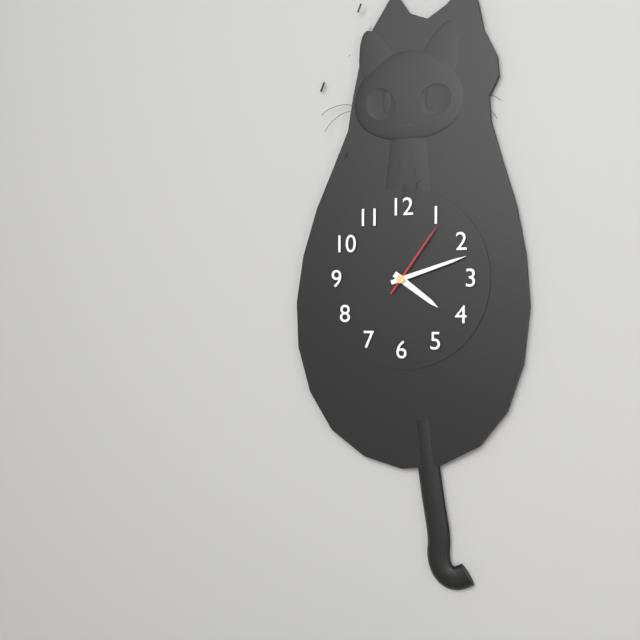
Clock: 4:12:06
